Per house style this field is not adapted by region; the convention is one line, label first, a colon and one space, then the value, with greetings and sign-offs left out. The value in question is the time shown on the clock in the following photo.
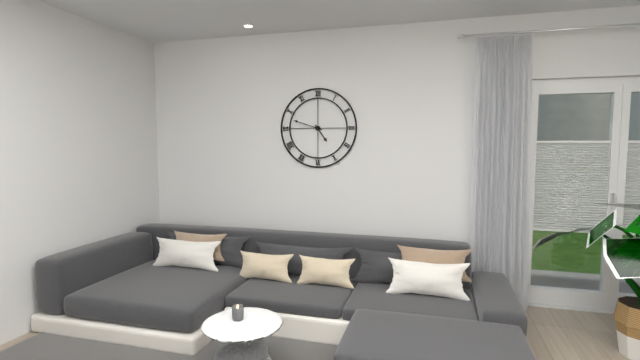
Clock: 4:48
